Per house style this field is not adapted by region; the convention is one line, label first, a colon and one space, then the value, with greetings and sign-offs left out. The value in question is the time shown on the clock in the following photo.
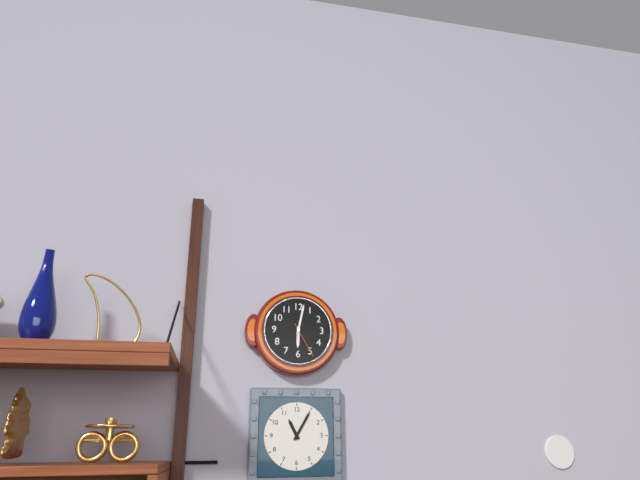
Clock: 6:02
